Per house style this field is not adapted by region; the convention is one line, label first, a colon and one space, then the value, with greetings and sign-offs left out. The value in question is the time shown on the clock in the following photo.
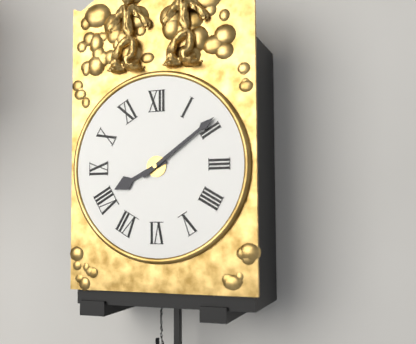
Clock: 8:09
